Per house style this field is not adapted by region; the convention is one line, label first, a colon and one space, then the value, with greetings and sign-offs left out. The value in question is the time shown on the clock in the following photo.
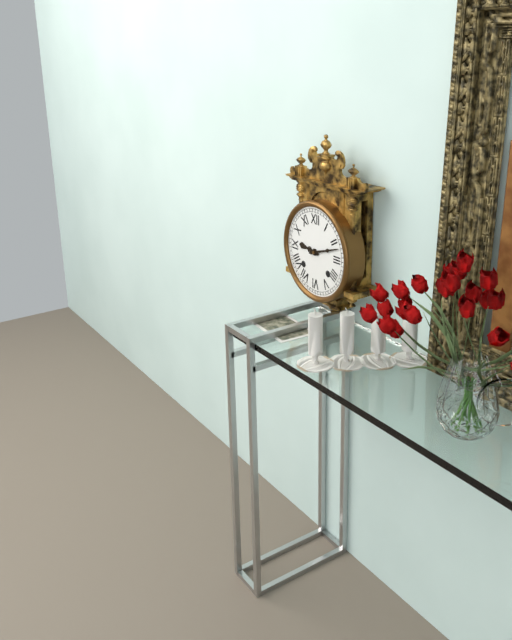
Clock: 9:12
